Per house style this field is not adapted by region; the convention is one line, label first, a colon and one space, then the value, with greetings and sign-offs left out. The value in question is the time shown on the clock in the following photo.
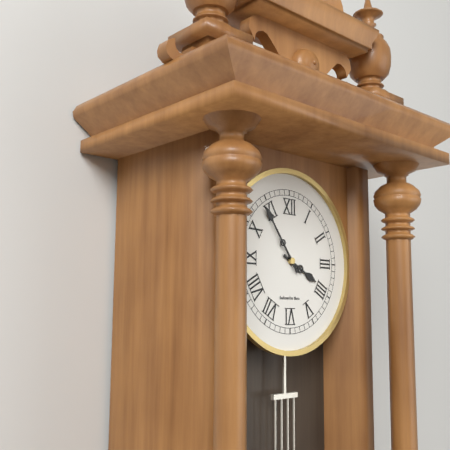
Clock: 3:54
